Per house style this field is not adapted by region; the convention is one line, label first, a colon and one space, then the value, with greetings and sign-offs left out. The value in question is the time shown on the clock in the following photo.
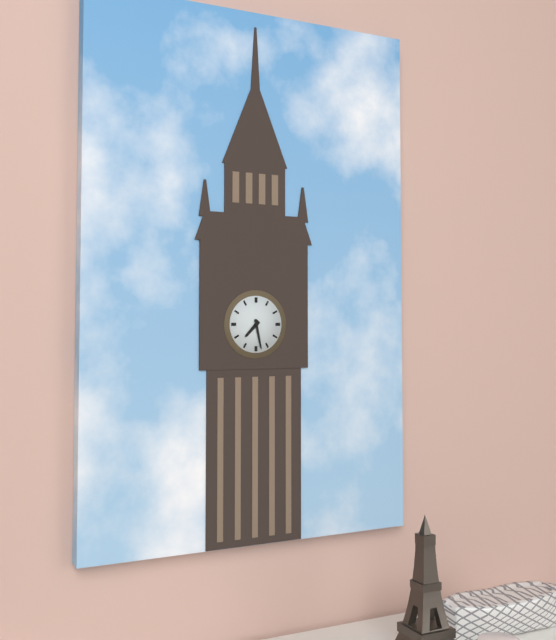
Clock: 7:28
